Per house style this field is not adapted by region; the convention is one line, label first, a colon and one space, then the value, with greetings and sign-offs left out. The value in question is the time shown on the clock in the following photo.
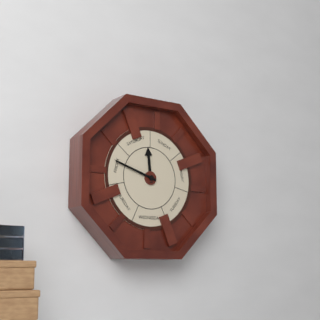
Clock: 11:48
